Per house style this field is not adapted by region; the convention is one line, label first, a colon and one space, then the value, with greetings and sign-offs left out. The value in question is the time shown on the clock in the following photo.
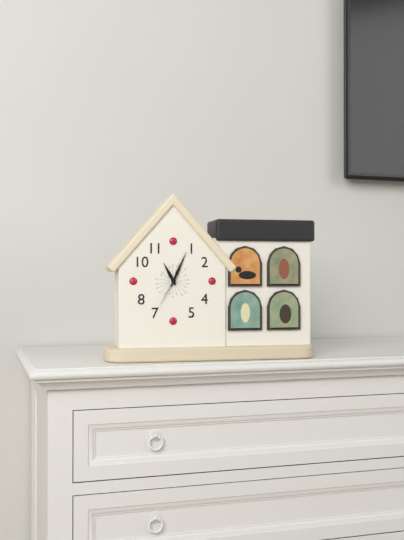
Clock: 11:04
